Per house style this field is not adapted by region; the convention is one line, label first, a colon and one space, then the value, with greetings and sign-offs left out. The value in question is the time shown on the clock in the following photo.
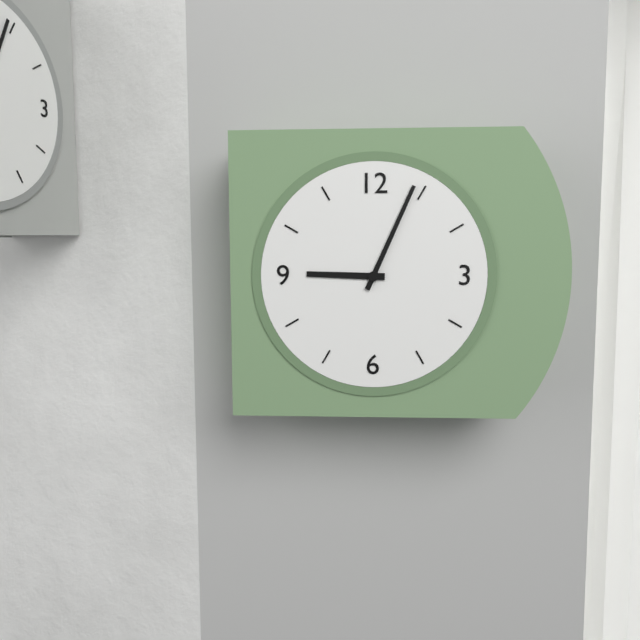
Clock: 9:04
